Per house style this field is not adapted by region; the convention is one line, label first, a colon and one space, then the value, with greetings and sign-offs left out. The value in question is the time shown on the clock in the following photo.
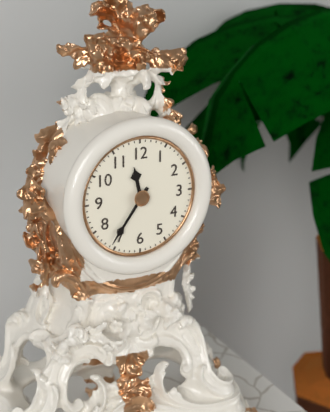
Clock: 11:36
